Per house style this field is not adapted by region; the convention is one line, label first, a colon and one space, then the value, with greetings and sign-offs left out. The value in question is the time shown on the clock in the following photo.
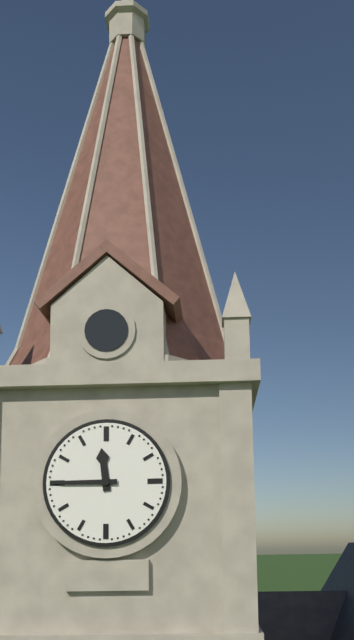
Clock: 11:45
